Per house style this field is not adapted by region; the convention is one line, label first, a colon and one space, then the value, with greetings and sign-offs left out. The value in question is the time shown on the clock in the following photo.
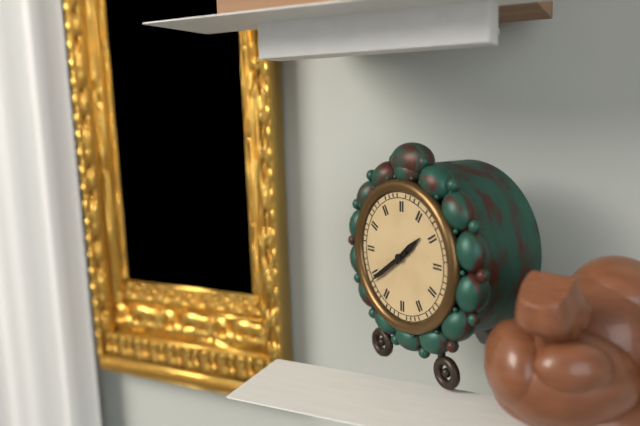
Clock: 1:39
